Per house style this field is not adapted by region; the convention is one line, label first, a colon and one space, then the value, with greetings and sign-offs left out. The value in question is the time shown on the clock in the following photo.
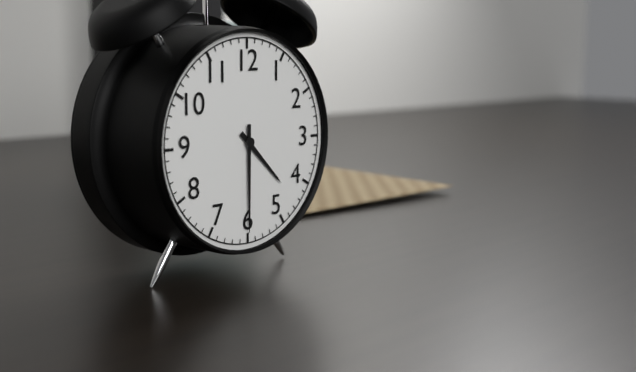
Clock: 4:30
